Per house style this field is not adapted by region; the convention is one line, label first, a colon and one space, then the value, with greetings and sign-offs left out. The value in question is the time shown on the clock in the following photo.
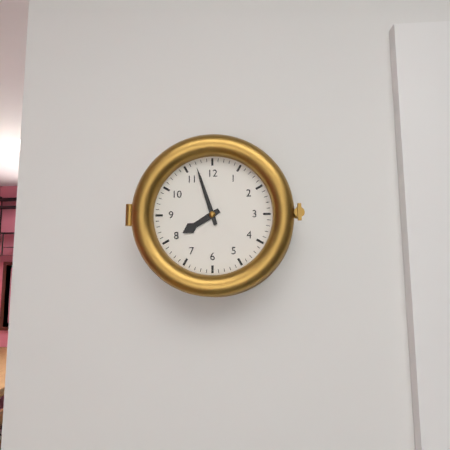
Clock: 7:57
